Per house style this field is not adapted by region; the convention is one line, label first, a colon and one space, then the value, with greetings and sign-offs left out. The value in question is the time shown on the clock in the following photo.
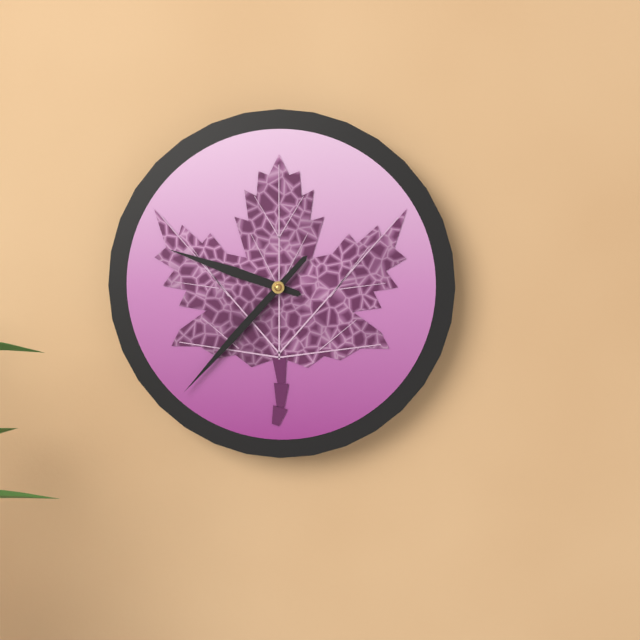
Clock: 9:37
